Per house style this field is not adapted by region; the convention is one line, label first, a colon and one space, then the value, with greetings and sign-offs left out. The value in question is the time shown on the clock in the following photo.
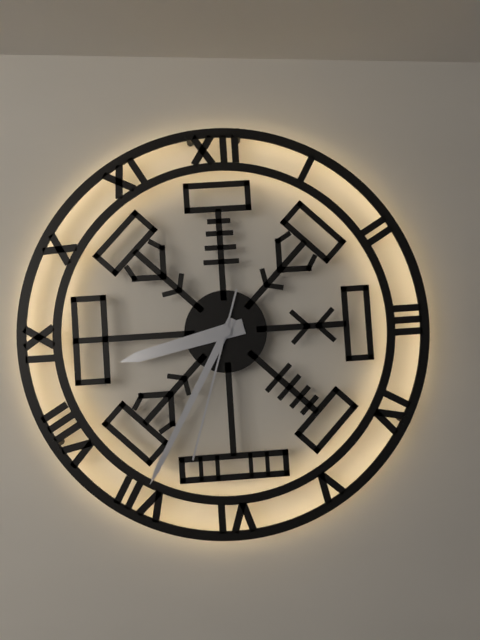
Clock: 8:35:33
